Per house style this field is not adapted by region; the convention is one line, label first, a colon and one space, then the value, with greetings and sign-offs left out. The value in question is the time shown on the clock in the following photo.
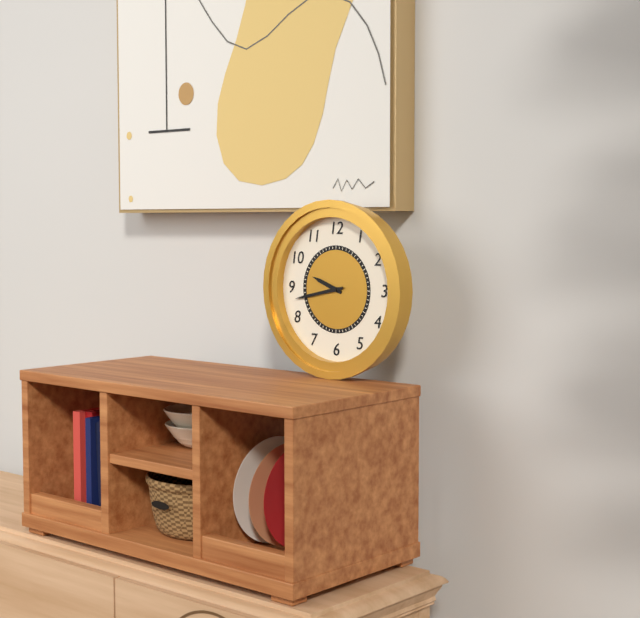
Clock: 9:43
